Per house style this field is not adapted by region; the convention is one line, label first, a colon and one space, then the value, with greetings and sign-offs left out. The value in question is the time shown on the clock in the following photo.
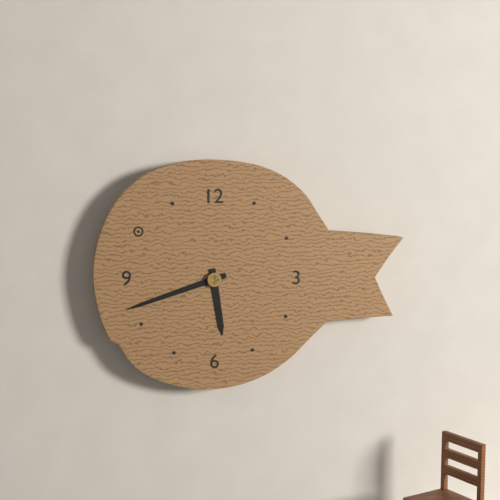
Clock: 5:42
